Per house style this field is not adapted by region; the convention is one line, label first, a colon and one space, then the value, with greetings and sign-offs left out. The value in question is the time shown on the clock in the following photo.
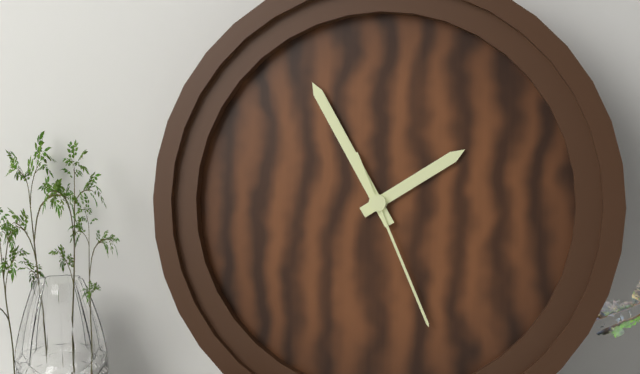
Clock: 1:55:26
